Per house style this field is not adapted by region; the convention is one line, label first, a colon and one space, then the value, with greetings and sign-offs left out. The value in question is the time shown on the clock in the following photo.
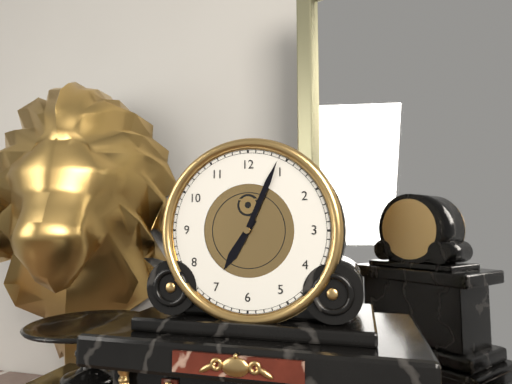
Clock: 7:04
